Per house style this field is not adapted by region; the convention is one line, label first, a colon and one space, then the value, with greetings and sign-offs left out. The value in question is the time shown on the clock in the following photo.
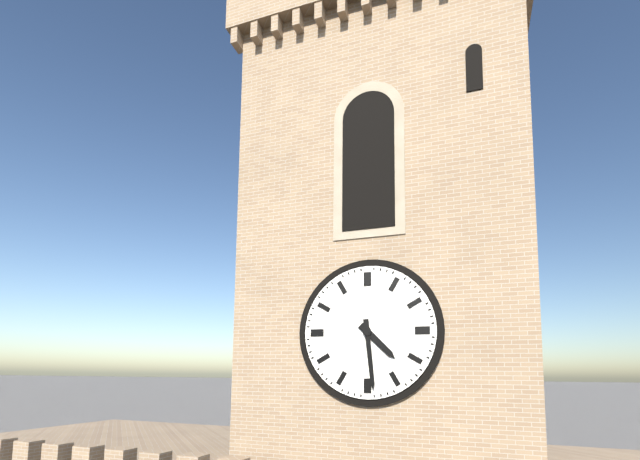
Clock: 4:29
